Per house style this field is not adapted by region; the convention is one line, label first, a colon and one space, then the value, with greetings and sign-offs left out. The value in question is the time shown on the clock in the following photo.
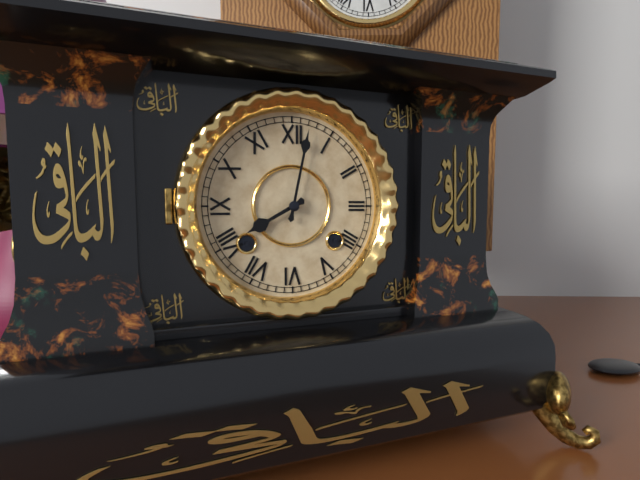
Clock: 8:02
